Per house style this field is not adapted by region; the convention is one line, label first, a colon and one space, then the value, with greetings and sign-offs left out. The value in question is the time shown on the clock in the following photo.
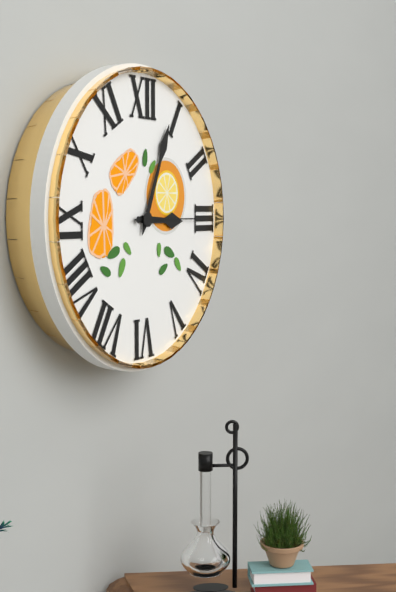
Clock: 3:04:15
